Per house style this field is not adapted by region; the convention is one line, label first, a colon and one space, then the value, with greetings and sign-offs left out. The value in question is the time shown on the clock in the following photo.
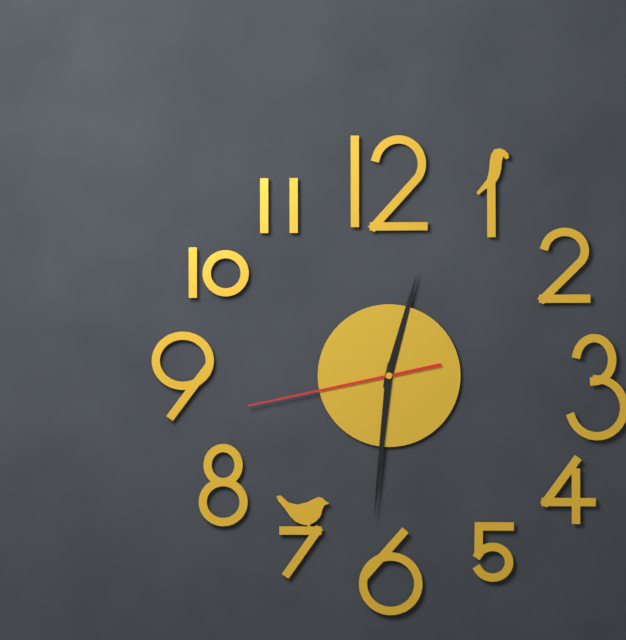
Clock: 12:31:43
